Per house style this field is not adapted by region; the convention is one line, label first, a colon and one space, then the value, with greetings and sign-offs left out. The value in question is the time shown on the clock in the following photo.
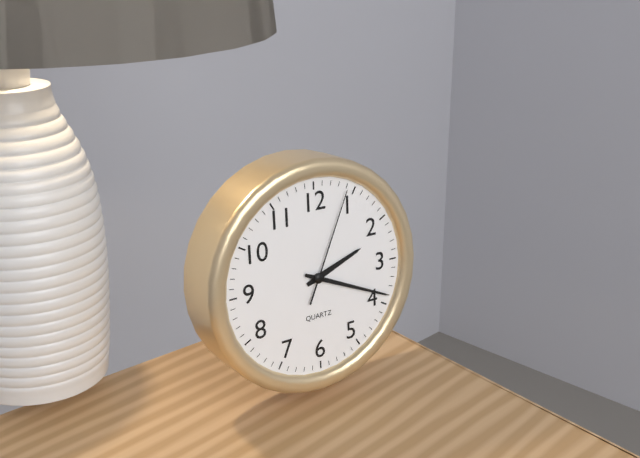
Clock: 2:19:04
